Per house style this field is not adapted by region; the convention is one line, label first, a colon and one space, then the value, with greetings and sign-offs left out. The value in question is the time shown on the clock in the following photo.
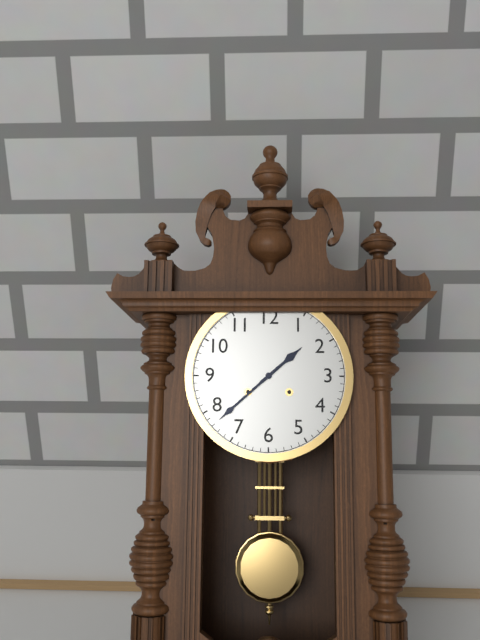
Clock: 1:38
